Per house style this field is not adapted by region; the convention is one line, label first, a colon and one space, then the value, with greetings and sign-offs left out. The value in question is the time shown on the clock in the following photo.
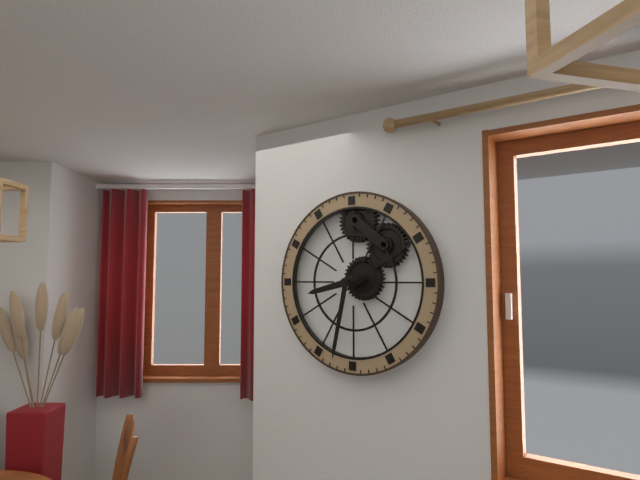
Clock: 8:32
